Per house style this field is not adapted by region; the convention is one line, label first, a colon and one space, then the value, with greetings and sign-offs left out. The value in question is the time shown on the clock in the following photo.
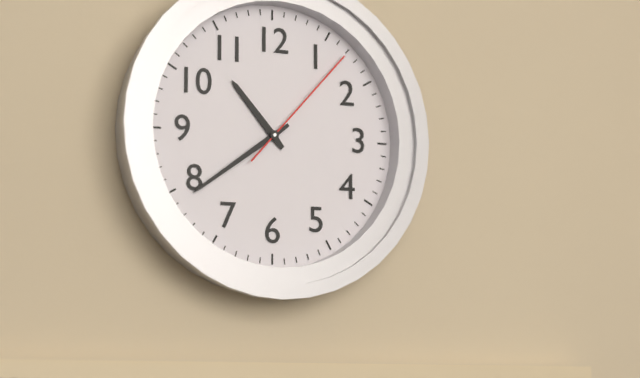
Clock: 10:39:07
